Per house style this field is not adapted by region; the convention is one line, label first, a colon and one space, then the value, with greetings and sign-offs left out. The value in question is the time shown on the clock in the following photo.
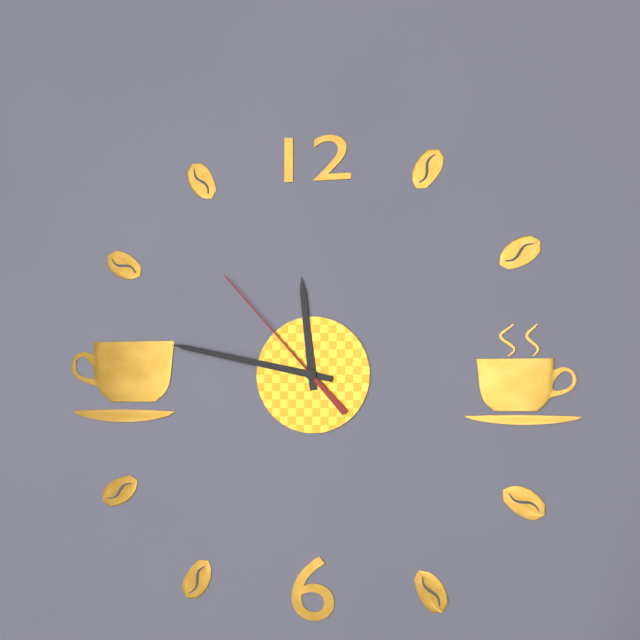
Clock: 11:47:53
